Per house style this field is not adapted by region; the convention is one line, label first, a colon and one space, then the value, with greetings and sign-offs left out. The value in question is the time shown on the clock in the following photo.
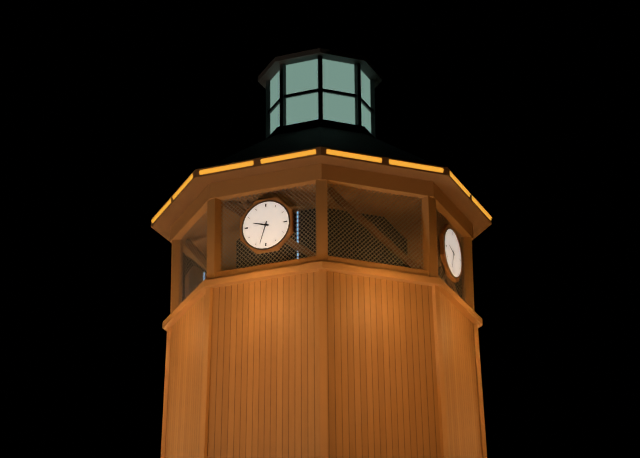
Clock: 9:33
